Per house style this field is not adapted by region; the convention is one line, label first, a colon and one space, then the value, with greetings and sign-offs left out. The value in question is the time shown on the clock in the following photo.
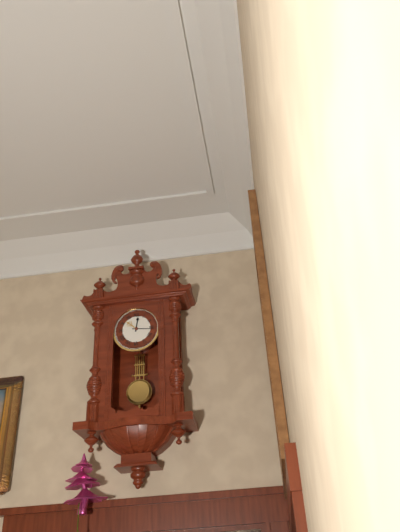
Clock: 12:16
